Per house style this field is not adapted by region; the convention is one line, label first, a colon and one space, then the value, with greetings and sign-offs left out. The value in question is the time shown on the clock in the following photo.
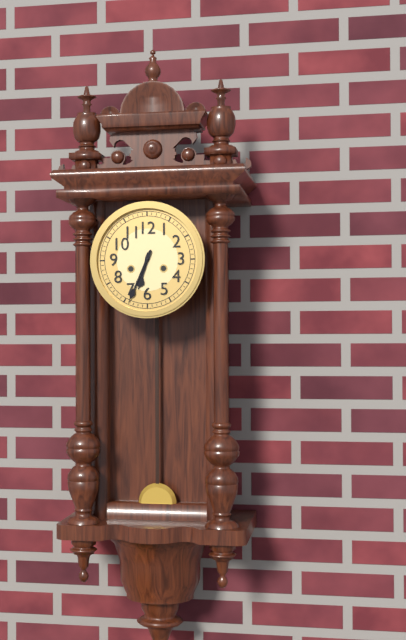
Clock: 6:34
